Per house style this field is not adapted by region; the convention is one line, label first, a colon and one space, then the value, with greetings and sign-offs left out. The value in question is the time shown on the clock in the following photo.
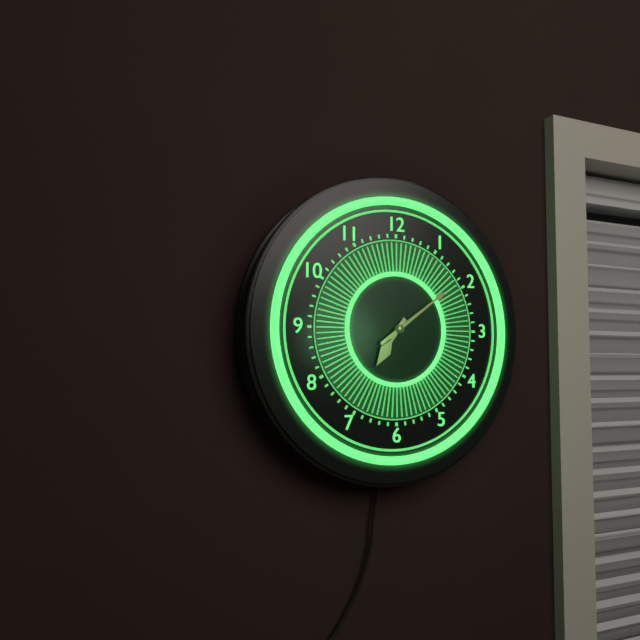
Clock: 7:09
